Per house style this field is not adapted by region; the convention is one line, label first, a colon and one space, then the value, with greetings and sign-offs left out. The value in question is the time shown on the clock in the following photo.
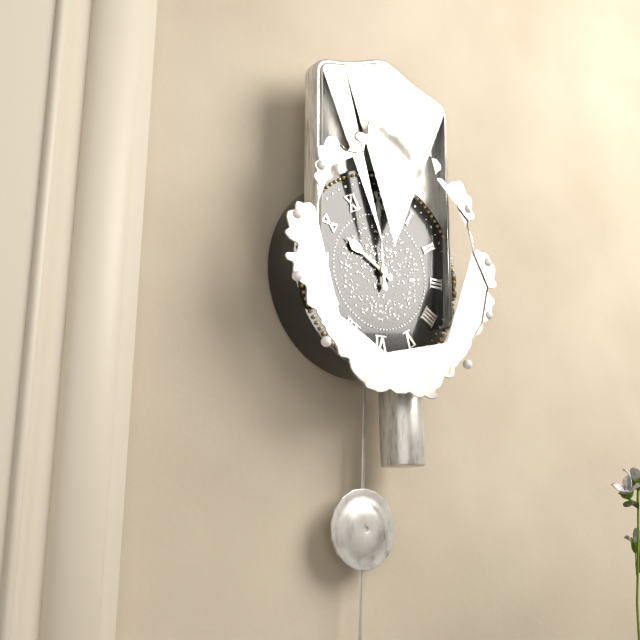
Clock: 9:59
